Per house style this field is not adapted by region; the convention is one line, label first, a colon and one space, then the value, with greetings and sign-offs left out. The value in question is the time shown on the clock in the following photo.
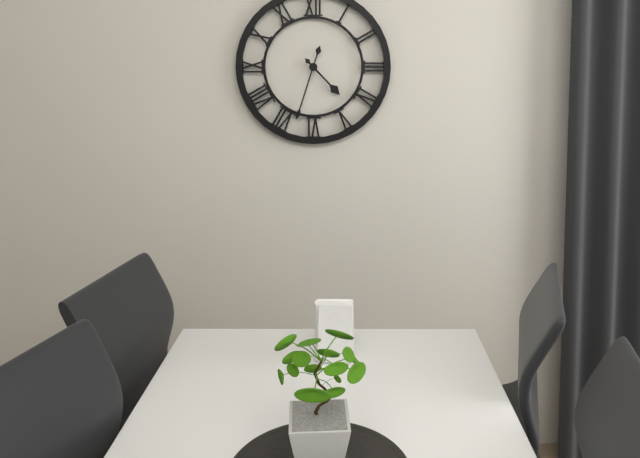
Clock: 4:33
